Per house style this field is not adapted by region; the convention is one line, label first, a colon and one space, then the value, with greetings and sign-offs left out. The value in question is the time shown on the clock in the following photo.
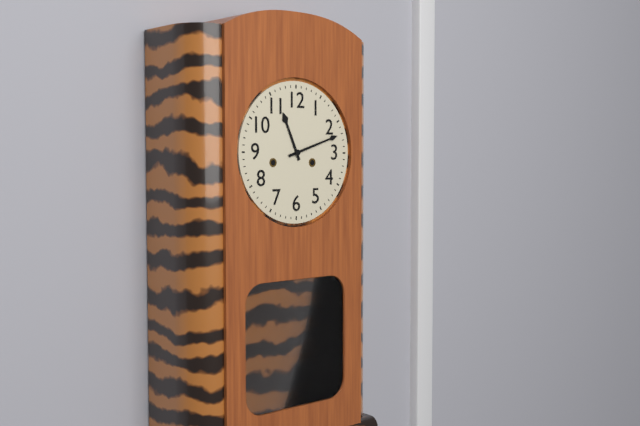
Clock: 11:12
